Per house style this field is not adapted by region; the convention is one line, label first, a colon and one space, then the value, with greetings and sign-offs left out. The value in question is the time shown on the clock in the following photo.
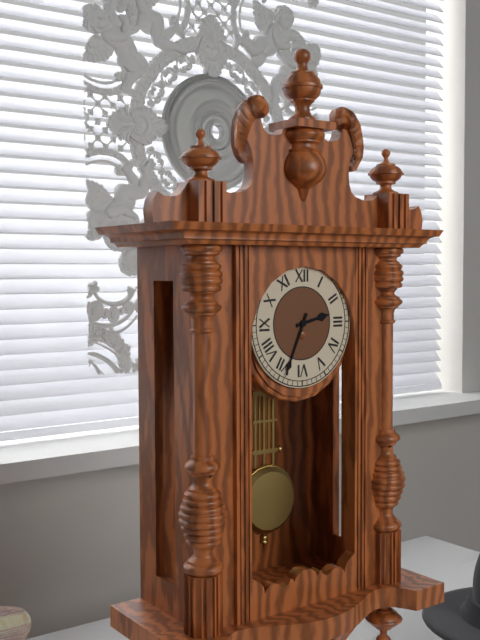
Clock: 2:34
